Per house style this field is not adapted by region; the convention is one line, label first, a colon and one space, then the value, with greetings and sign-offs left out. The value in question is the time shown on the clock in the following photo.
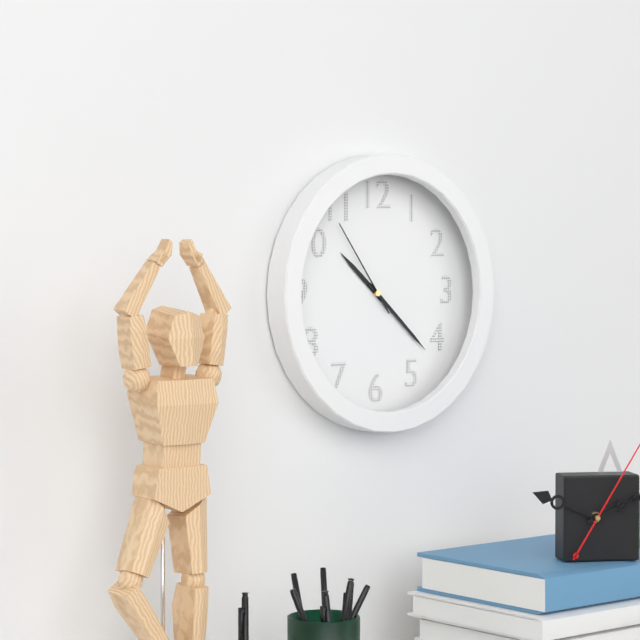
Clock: 10:22:54
